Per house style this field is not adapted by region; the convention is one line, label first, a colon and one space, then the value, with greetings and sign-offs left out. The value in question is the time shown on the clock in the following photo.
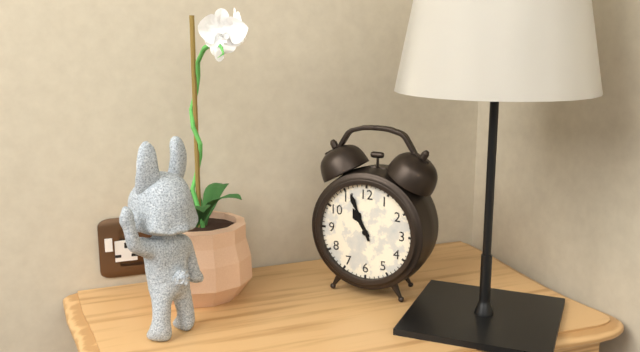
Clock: 10:56
